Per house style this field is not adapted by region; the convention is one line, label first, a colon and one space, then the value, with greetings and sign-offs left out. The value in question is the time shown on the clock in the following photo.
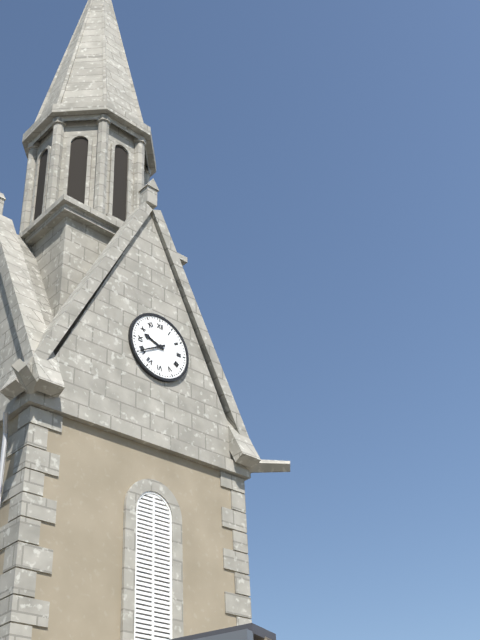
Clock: 9:40
